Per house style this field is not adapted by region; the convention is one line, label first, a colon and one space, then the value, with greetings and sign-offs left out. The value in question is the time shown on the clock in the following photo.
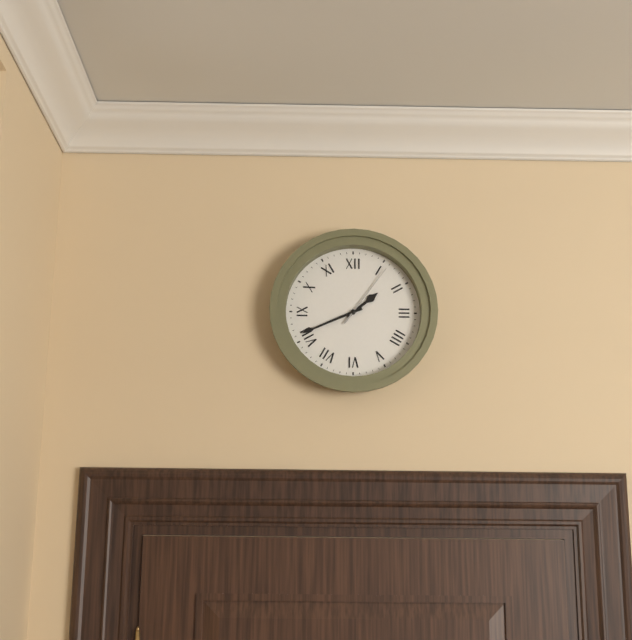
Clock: 1:41:06
